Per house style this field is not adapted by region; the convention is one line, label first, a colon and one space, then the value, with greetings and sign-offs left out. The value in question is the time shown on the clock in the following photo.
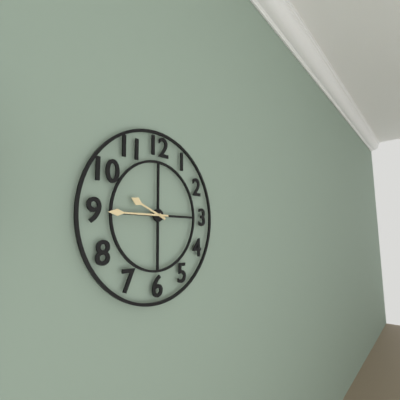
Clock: 9:45
